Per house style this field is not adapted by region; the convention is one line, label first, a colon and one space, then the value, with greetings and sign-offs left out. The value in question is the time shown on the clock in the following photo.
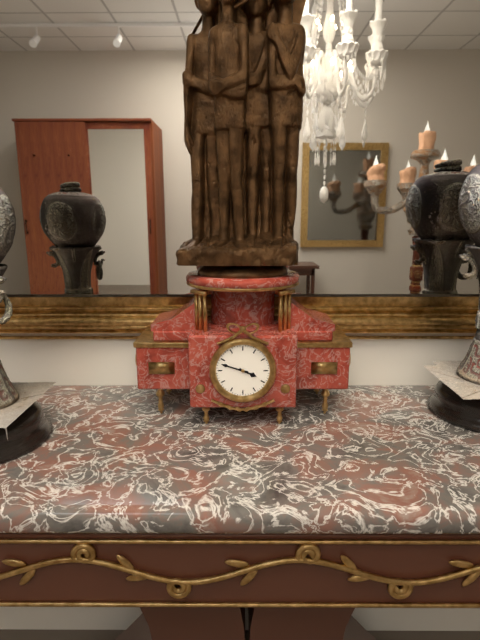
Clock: 3:48
